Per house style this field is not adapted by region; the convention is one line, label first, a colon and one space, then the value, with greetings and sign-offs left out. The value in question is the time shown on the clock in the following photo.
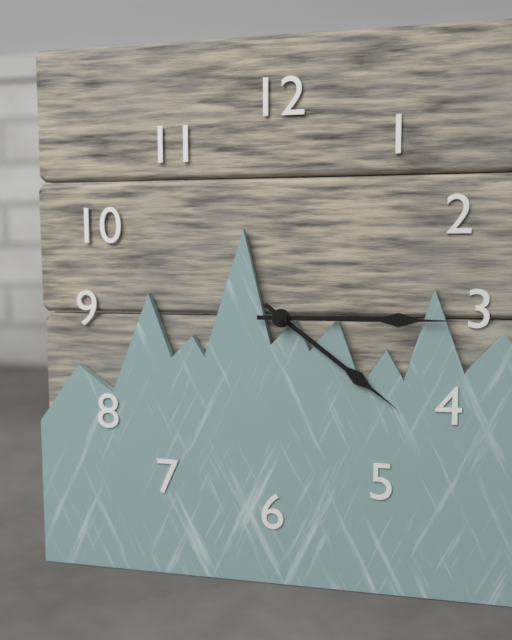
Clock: 4:15
